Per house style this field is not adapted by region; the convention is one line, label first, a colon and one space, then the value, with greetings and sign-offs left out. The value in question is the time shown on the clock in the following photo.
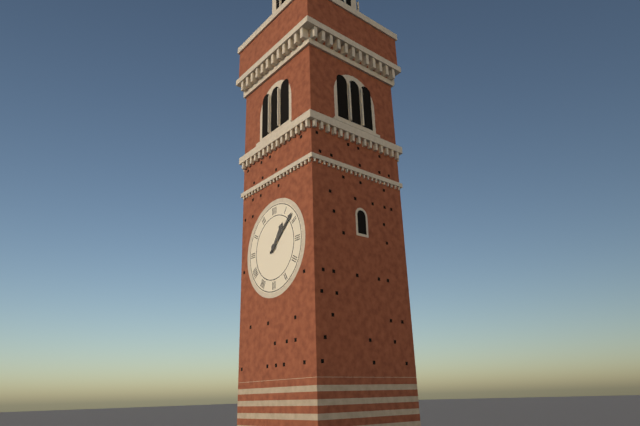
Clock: 1:08
